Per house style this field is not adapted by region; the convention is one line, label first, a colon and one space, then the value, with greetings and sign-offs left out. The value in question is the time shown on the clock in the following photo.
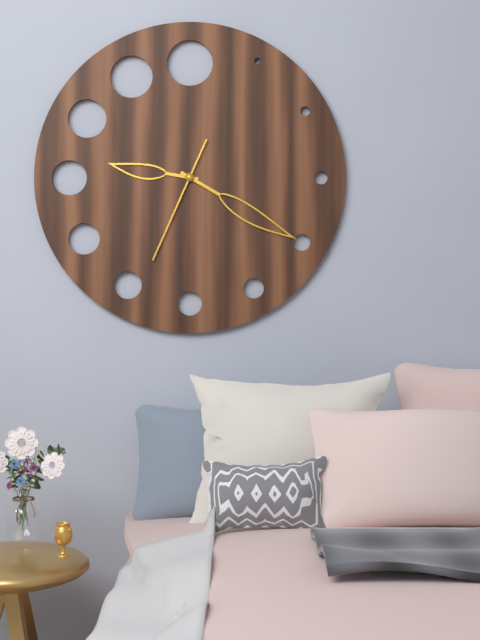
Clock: 9:20:34
